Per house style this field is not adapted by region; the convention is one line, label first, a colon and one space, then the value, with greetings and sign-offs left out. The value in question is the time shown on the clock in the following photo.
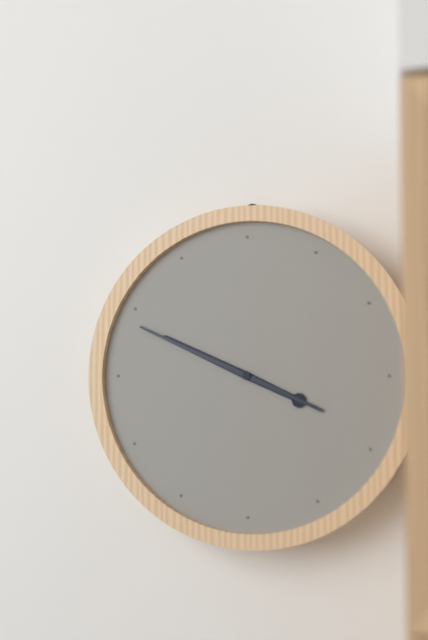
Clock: 9:49
